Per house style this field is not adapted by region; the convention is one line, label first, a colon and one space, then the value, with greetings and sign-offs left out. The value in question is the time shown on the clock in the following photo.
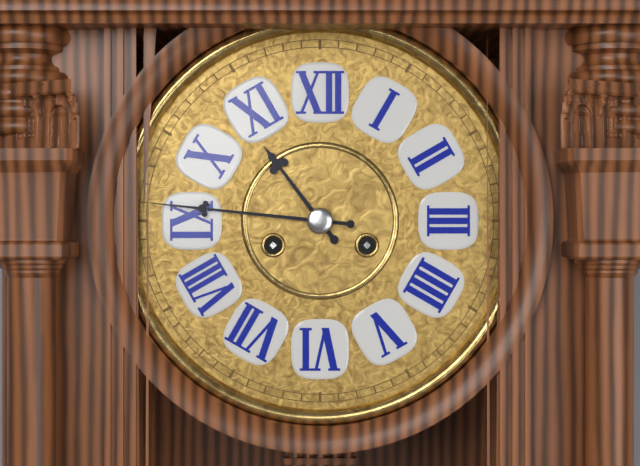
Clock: 10:46
